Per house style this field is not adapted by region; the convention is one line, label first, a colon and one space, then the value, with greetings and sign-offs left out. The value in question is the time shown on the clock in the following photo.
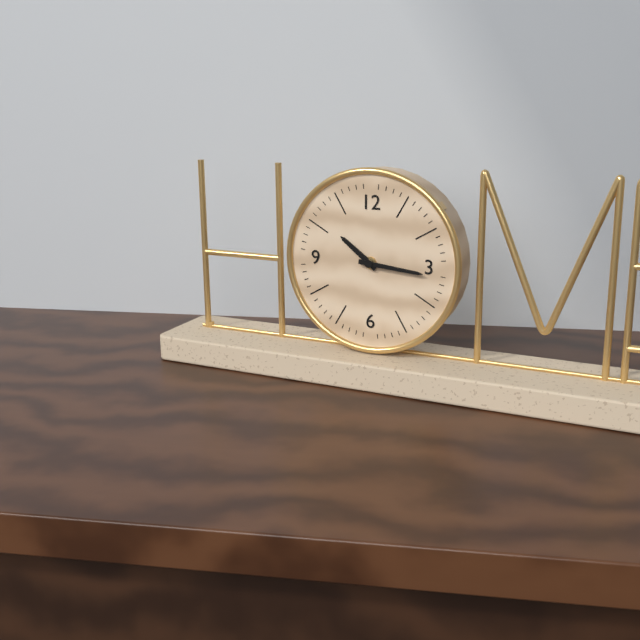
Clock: 10:16
